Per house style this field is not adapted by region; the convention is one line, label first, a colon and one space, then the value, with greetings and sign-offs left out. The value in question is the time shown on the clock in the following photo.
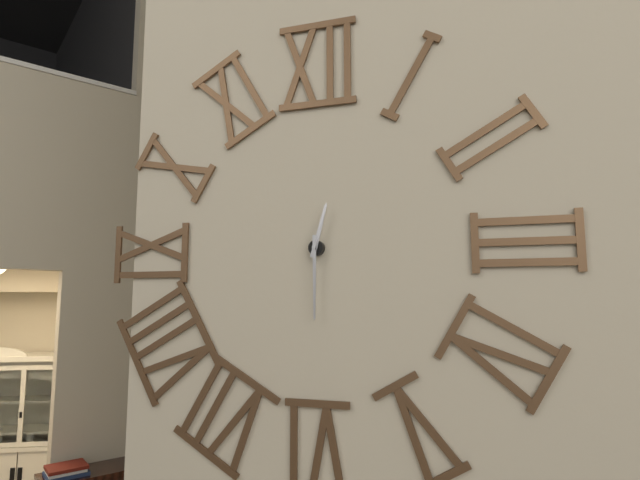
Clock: 12:30
